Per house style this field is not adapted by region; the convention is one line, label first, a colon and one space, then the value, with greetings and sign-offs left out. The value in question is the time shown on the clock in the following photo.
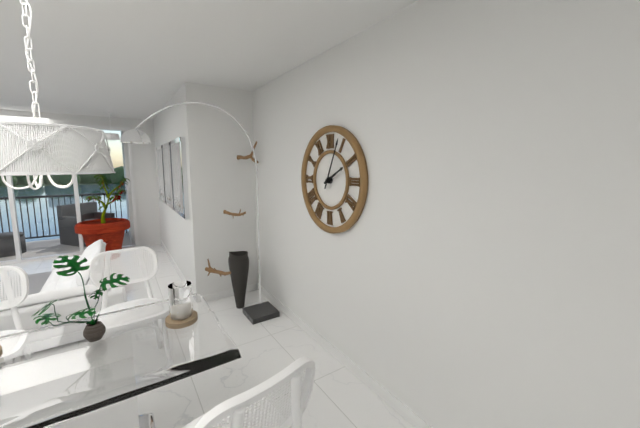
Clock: 2:04
